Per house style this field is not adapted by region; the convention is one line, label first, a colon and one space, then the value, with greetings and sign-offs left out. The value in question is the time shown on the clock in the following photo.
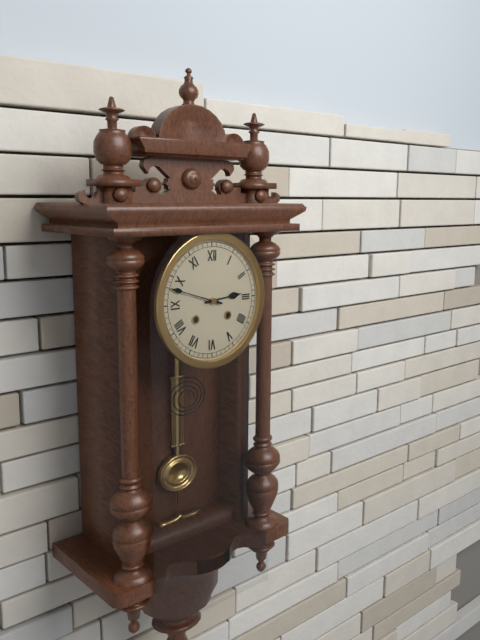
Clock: 2:48
